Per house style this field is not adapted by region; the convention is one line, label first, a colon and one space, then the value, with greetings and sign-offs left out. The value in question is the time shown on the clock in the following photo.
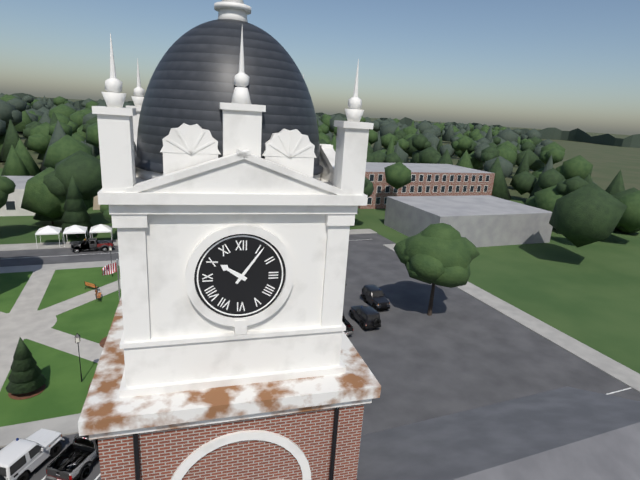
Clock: 10:06
